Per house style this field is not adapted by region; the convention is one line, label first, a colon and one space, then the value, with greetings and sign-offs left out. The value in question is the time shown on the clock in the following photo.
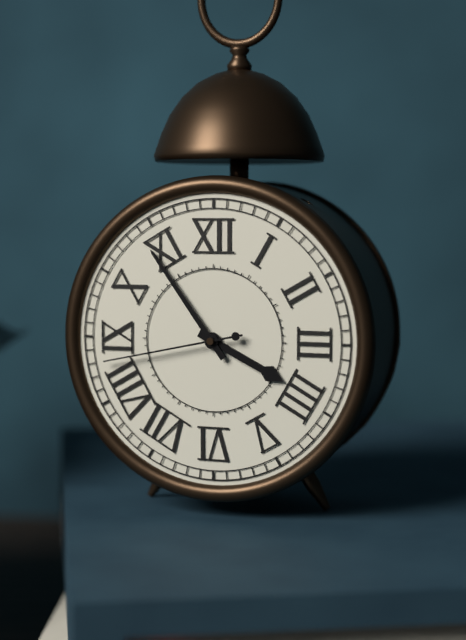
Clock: 3:54:43
